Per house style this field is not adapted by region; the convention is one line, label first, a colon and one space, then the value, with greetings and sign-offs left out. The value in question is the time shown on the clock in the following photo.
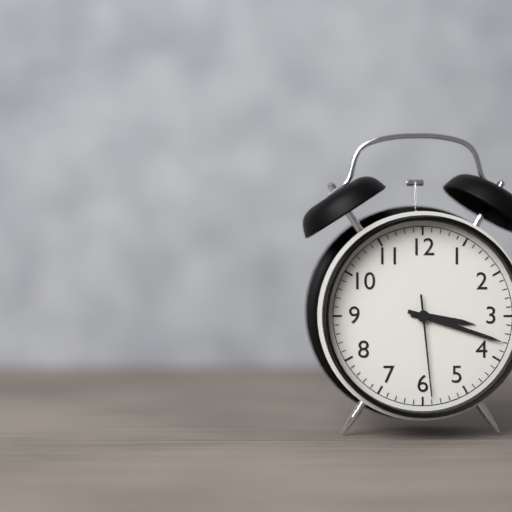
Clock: 3:18:29
